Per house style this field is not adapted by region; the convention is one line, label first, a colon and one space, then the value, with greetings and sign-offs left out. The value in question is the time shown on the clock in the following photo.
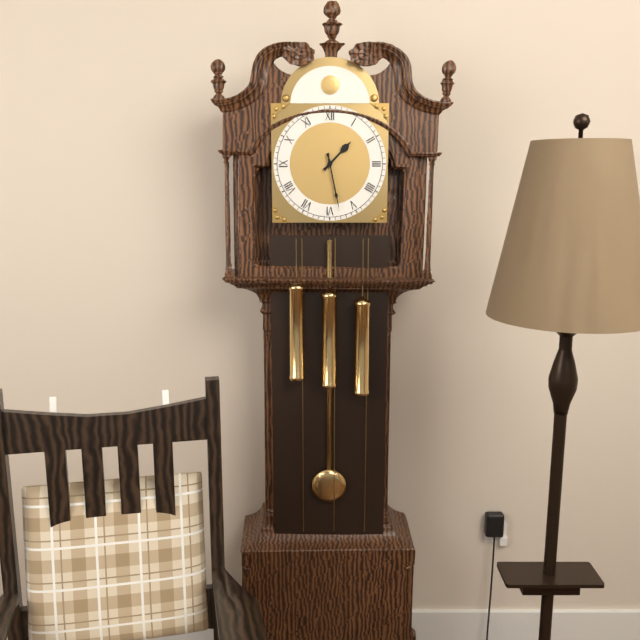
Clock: 1:28
